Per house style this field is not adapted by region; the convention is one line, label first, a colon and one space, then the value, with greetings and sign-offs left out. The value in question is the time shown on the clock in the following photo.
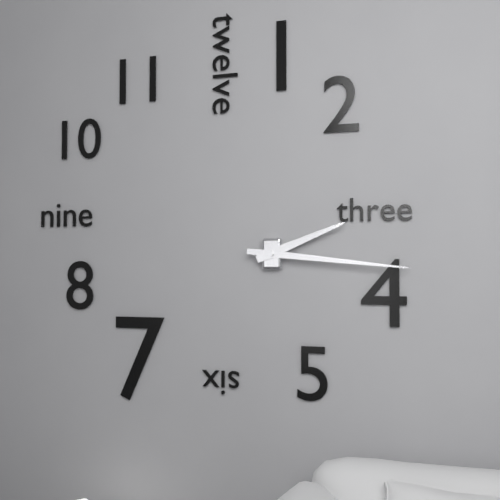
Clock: 2:16
